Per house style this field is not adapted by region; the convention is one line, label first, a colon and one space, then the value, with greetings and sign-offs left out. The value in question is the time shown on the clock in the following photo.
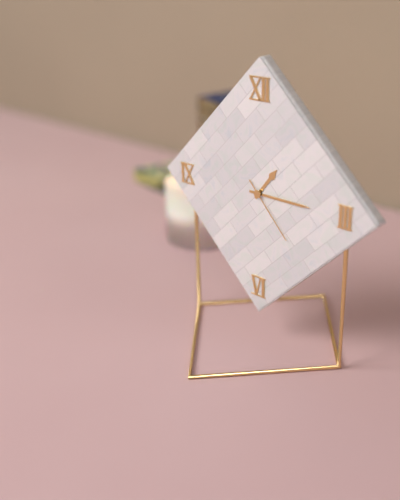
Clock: 1:15:23
